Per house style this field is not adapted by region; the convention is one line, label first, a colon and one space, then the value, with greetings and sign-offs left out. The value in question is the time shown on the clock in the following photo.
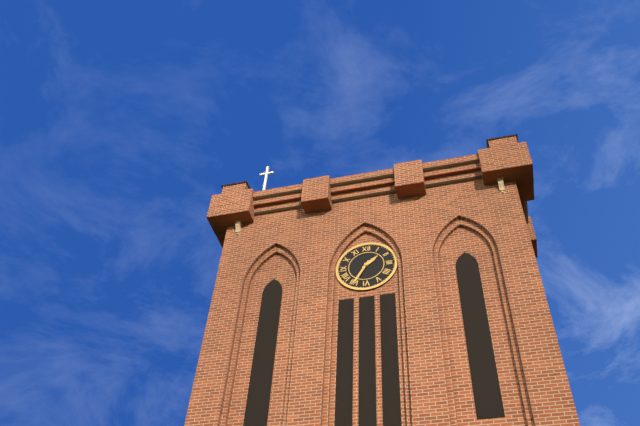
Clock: 1:35
